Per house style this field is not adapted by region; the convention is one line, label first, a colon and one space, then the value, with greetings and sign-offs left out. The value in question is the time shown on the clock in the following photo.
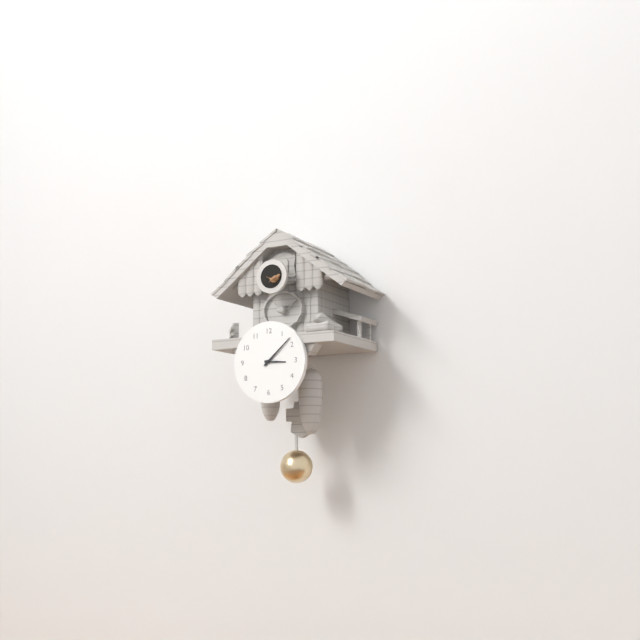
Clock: 3:08
